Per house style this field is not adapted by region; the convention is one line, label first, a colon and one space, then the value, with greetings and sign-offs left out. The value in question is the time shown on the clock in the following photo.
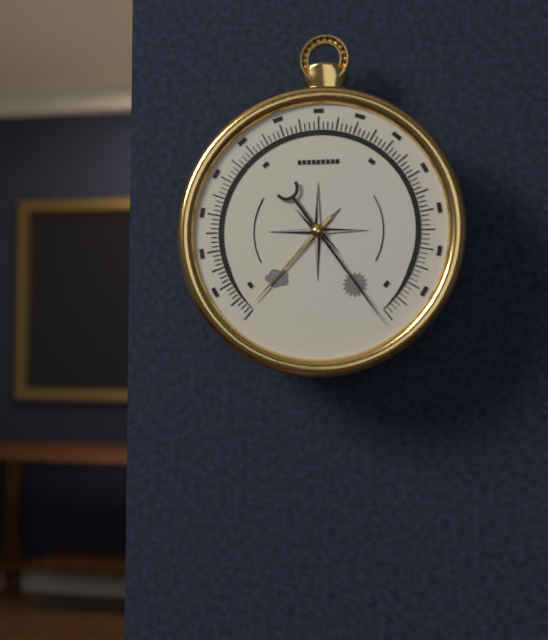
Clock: 7:24
